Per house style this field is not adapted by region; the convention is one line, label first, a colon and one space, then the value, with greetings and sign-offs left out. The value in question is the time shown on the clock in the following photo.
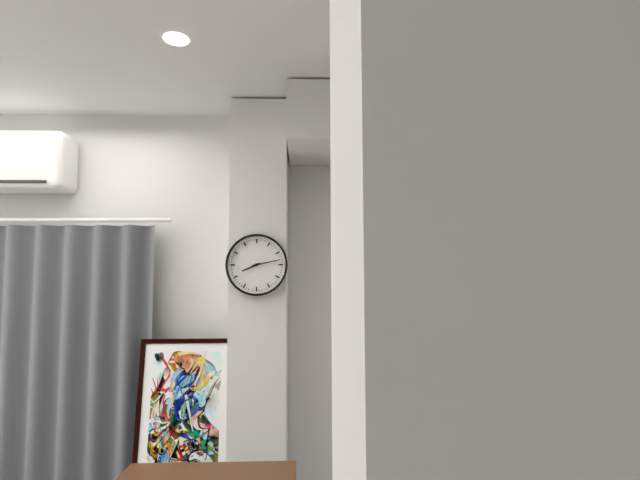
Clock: 8:13
